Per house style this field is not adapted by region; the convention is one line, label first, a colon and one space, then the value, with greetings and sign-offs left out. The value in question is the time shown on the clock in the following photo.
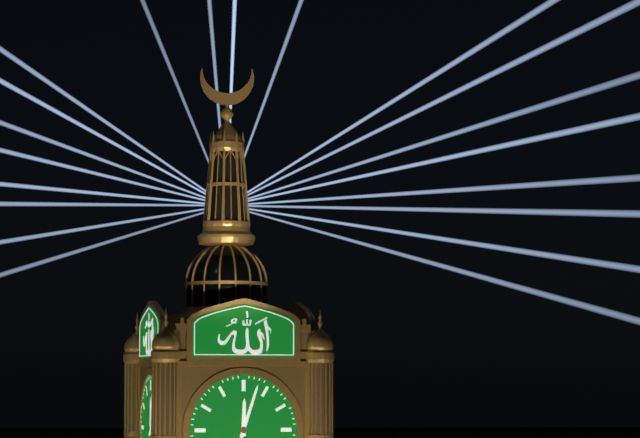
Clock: 12:03
